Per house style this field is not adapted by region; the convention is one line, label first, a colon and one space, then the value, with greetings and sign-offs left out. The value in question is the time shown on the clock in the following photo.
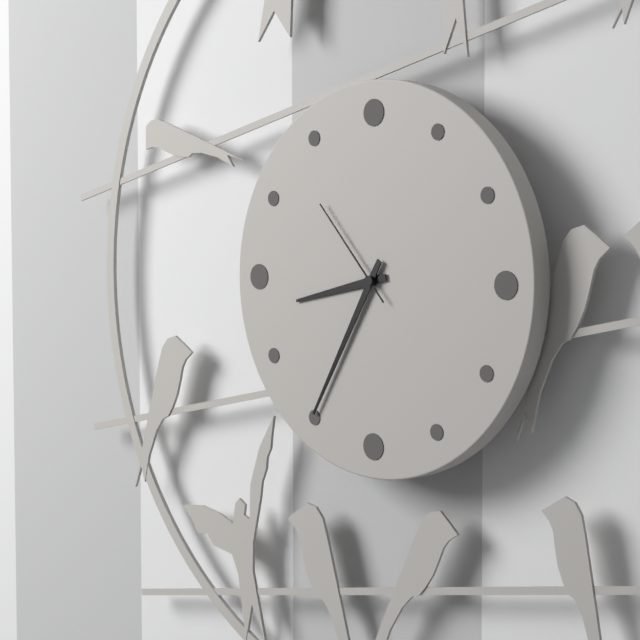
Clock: 8:35:53
